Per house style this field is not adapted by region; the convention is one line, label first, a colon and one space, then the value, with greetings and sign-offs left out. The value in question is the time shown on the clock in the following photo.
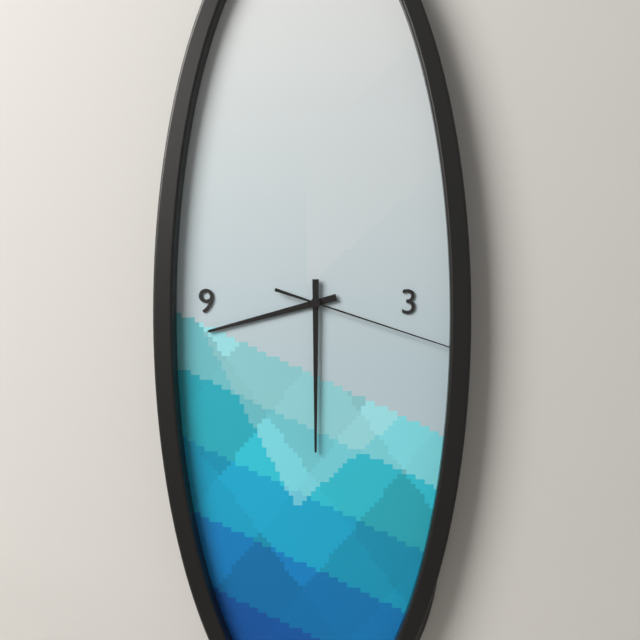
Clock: 8:30:18
